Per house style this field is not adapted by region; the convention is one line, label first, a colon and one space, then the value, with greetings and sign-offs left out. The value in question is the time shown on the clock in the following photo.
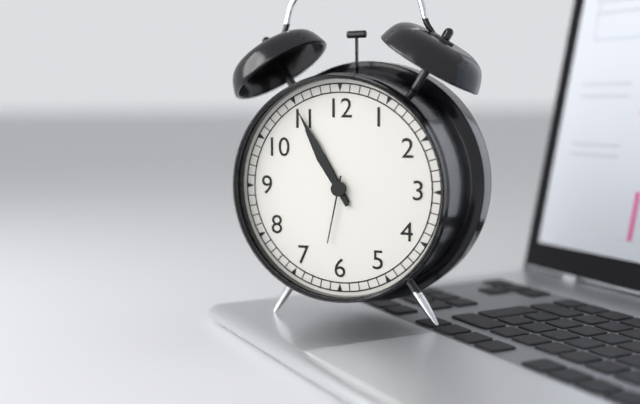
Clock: 10:55:32
